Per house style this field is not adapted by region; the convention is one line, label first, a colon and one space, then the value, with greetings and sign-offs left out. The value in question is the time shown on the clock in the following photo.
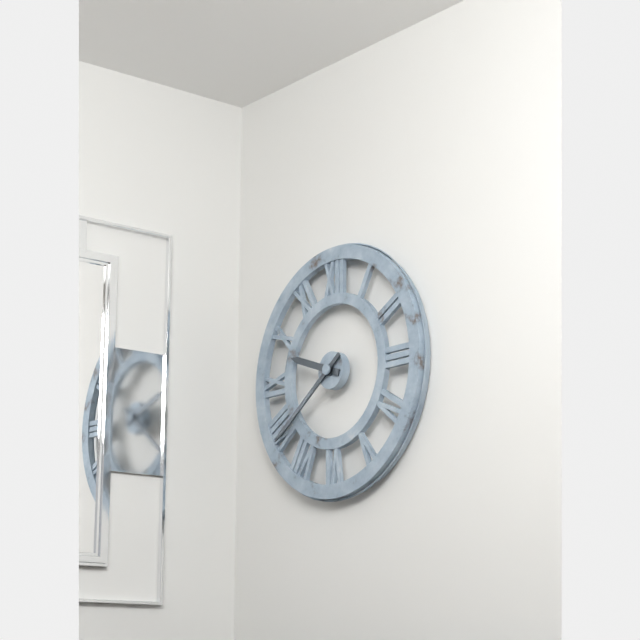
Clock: 9:39
